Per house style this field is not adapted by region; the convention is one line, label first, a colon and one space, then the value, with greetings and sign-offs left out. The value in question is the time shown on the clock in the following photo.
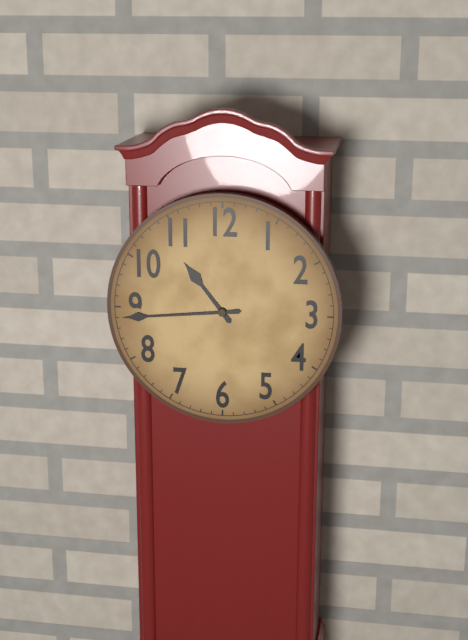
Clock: 10:44
